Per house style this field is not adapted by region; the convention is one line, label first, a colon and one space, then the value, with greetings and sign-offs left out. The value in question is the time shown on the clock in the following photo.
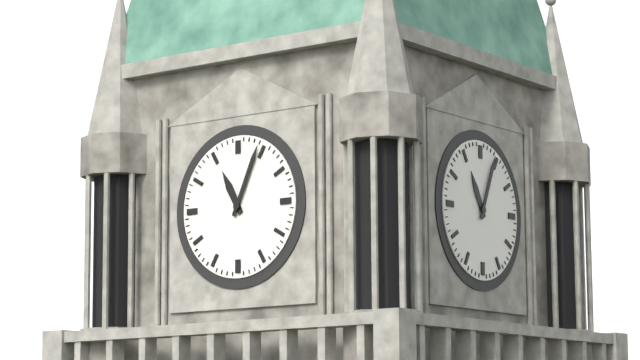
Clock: 11:04
